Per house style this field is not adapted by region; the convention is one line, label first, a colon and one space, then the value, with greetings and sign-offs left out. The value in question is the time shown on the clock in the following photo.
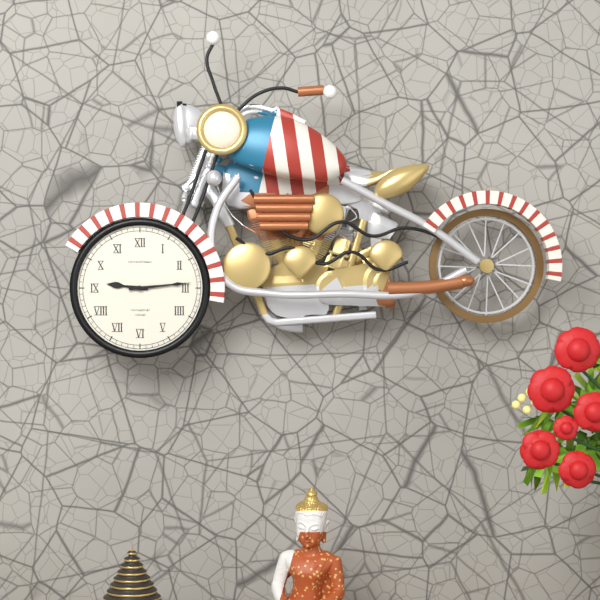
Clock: 9:14
